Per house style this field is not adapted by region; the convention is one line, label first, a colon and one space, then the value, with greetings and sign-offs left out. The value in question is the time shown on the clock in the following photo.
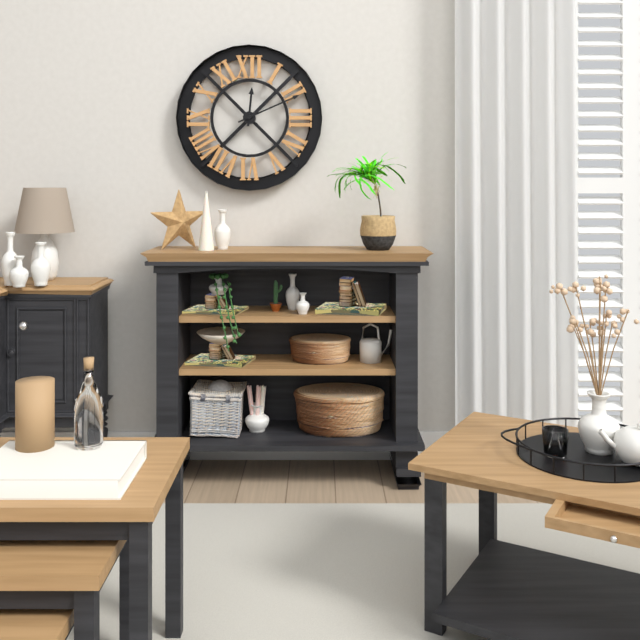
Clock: 12:11
